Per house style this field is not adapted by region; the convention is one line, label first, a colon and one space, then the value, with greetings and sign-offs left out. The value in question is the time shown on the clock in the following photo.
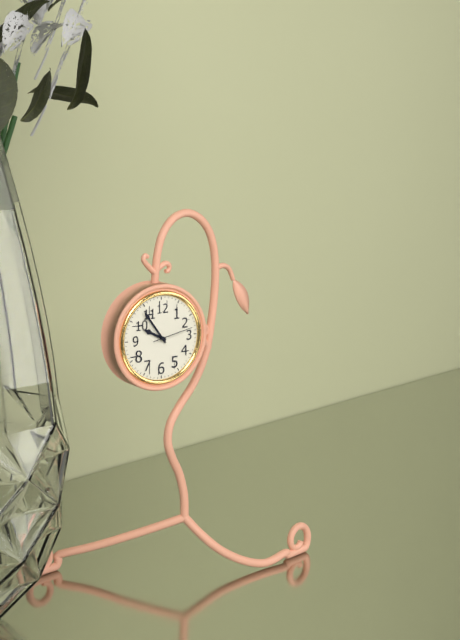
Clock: 9:54
